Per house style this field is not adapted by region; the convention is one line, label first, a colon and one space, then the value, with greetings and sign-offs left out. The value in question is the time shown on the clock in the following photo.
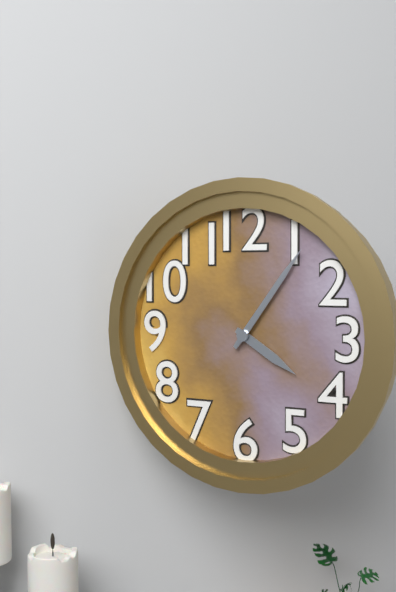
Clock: 4:06
